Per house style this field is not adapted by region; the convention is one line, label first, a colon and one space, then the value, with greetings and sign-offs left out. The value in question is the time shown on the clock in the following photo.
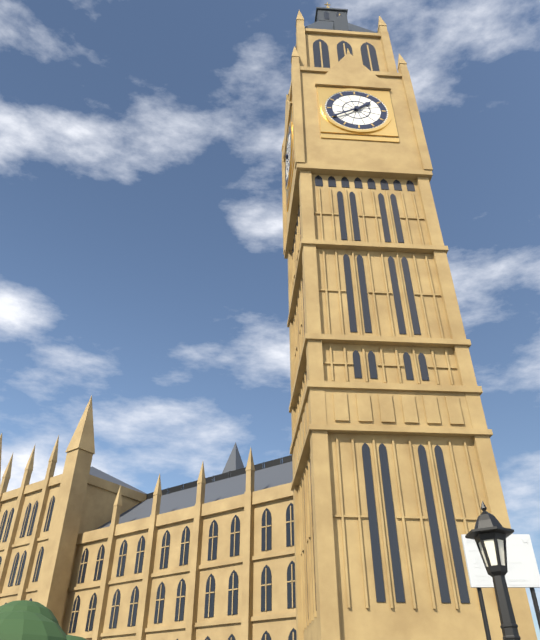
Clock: 1:40
